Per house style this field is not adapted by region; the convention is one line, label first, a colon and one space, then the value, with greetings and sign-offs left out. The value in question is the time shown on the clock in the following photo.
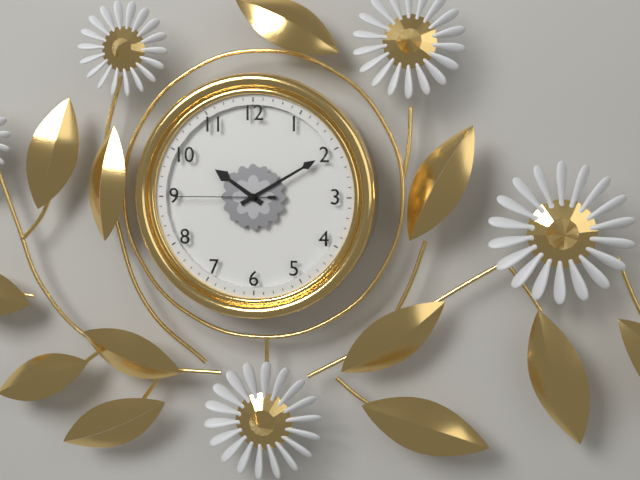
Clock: 10:10:45
